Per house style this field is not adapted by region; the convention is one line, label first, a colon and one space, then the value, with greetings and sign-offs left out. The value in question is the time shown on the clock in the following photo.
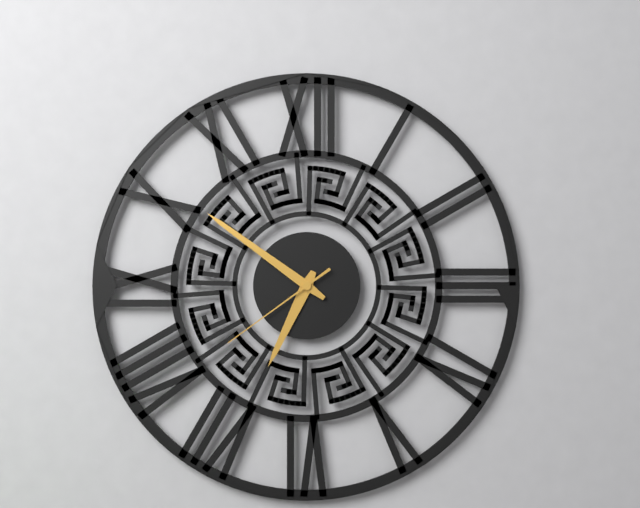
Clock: 6:51:39
